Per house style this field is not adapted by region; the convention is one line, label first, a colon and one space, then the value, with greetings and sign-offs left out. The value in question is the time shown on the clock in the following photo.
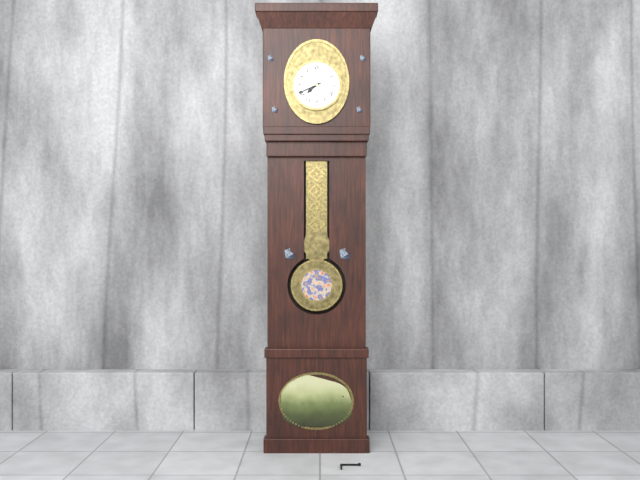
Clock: 7:41
